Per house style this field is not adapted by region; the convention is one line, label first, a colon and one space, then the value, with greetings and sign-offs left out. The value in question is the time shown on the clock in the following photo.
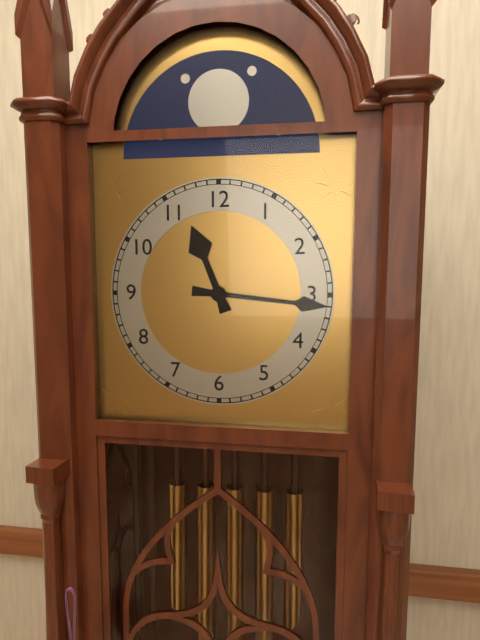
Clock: 11:16
